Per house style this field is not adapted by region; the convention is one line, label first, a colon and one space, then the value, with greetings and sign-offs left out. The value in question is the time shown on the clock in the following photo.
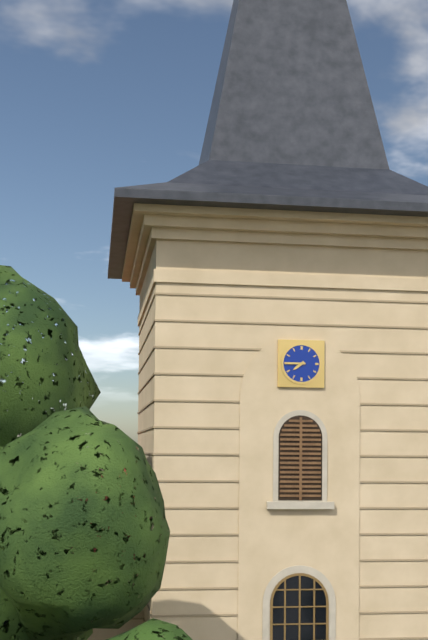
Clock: 7:45
